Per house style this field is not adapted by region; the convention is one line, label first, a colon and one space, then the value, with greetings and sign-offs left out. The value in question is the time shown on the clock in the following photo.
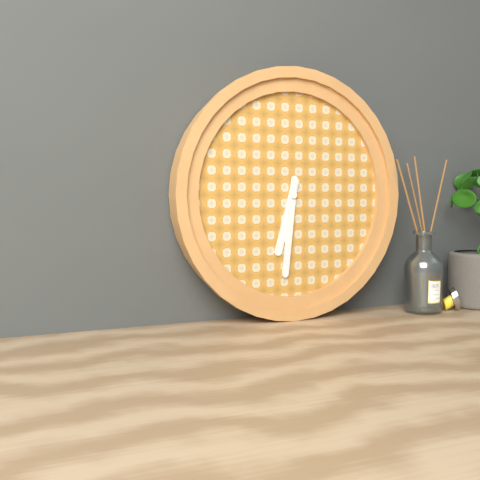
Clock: 6:31
